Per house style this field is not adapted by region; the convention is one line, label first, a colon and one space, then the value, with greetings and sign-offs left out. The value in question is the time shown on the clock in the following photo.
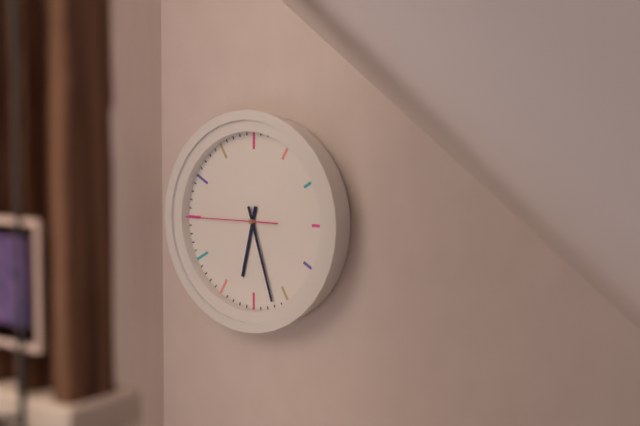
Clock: 6:27:45
